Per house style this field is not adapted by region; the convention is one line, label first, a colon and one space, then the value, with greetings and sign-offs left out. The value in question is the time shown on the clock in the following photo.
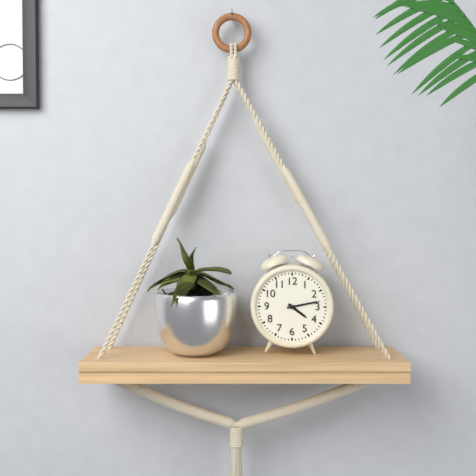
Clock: 4:13
